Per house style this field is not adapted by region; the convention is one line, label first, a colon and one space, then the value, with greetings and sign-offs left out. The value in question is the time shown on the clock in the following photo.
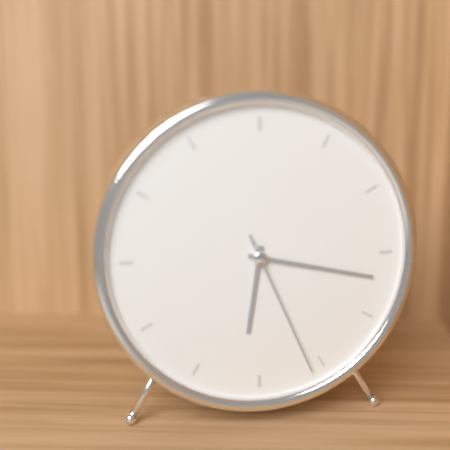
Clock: 6:17:26
